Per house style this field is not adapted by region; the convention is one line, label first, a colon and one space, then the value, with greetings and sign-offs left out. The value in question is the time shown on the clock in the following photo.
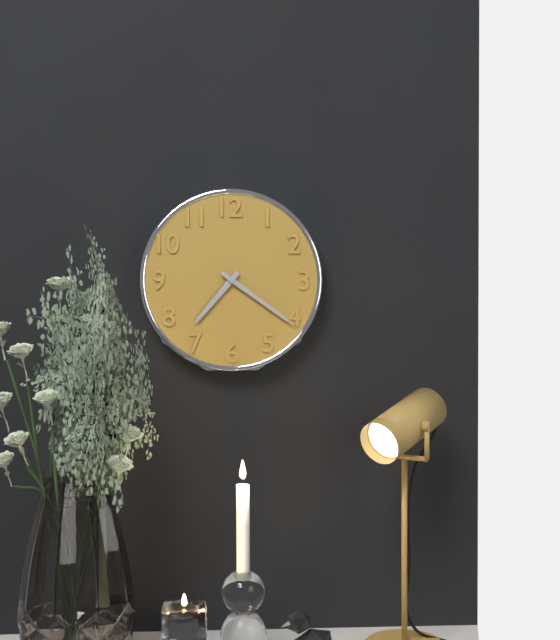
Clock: 7:21
